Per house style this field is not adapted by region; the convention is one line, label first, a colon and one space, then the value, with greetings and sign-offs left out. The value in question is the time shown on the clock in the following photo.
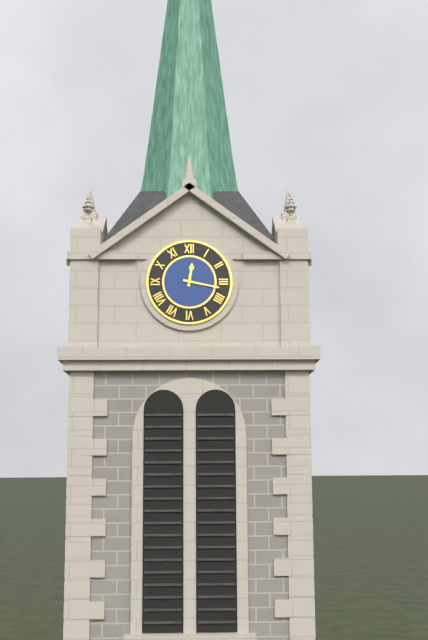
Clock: 12:17
